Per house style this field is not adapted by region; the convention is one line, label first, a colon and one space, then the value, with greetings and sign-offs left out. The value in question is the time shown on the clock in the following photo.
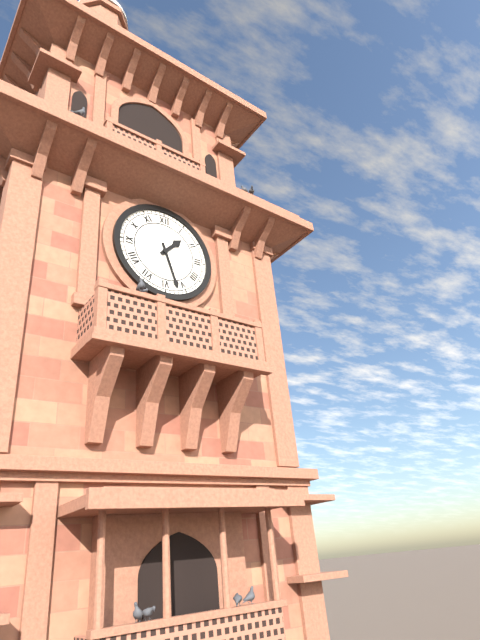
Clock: 1:27
